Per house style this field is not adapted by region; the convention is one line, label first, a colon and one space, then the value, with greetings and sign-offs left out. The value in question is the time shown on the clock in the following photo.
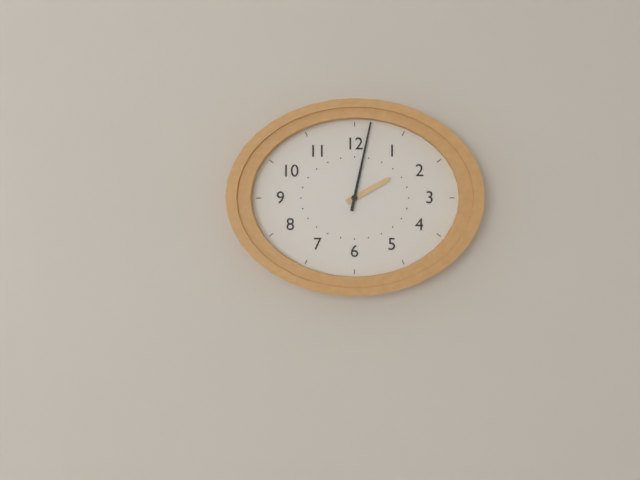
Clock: 2:02
